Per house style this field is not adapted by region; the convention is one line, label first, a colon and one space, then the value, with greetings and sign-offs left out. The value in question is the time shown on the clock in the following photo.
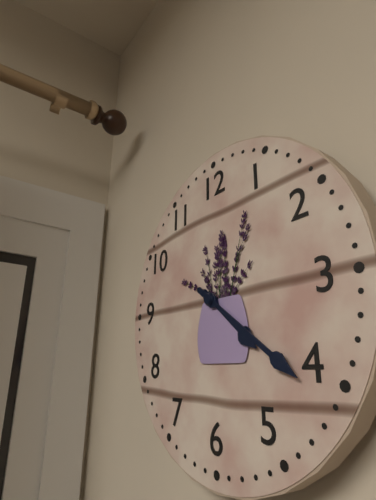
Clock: 4:21
